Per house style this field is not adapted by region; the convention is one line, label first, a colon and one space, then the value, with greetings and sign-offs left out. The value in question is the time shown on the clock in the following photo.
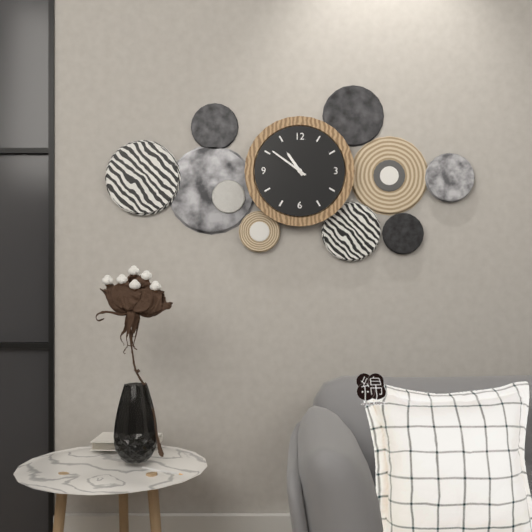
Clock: 10:51
